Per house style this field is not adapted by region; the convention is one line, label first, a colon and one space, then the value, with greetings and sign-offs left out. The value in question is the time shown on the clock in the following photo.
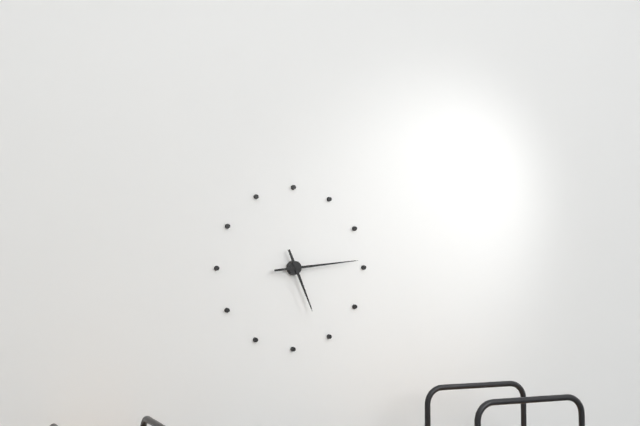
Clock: 5:14
